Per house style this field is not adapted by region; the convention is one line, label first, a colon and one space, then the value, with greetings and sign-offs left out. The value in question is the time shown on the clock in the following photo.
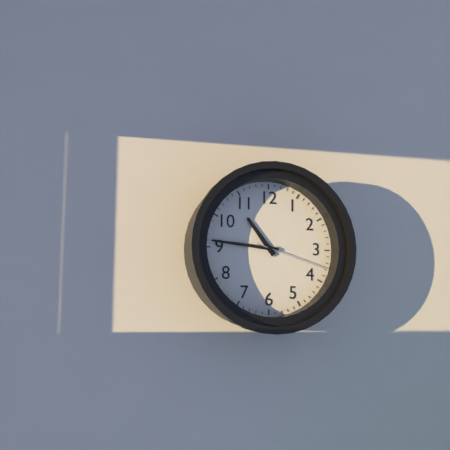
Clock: 10:46:18
